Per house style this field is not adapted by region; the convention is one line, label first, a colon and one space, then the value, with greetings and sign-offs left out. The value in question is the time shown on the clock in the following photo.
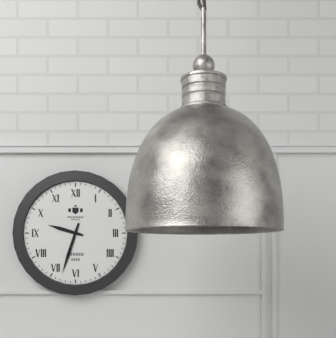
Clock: 9:33
